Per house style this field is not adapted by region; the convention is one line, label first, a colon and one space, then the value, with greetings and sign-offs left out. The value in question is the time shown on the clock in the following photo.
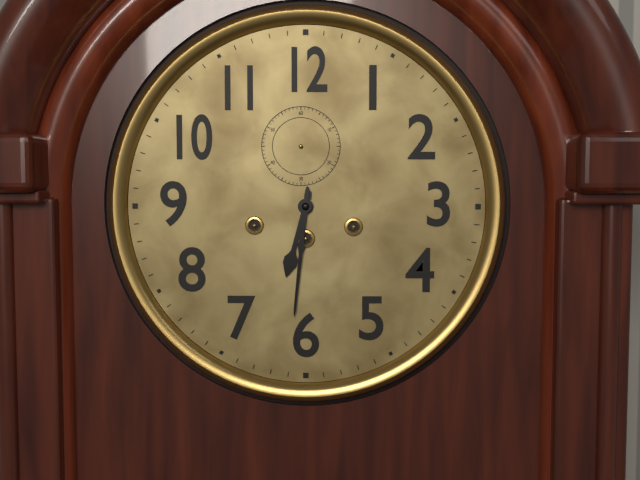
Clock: 6:31
